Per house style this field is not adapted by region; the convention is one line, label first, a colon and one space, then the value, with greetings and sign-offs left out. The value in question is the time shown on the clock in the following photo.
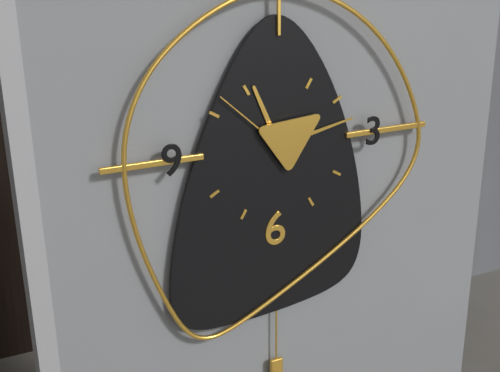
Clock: 11:13:52
